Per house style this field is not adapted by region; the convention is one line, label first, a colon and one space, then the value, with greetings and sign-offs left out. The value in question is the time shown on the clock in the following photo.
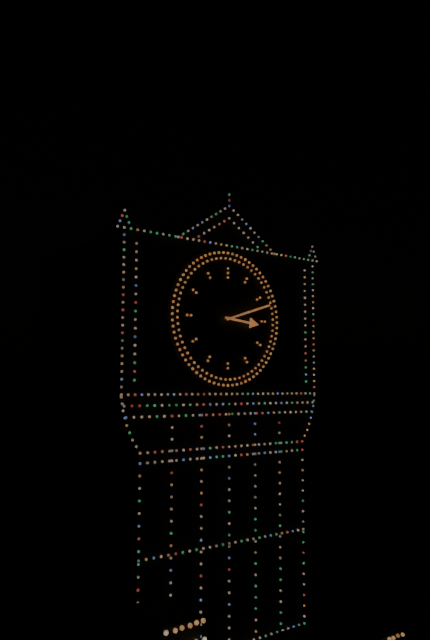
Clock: 3:12
